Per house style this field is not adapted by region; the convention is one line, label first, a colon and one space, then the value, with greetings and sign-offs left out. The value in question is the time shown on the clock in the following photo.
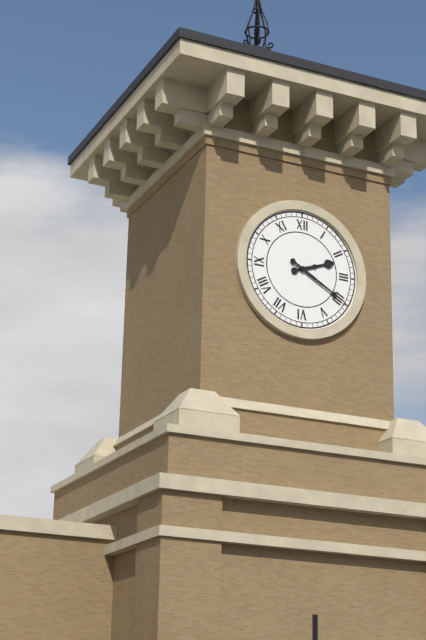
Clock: 2:20
